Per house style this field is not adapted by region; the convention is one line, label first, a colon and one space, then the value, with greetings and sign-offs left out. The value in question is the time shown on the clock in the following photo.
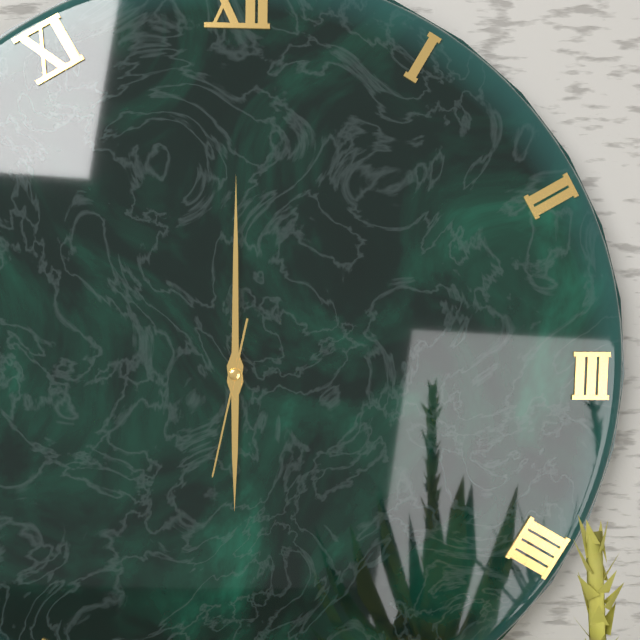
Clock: 6:00:32
